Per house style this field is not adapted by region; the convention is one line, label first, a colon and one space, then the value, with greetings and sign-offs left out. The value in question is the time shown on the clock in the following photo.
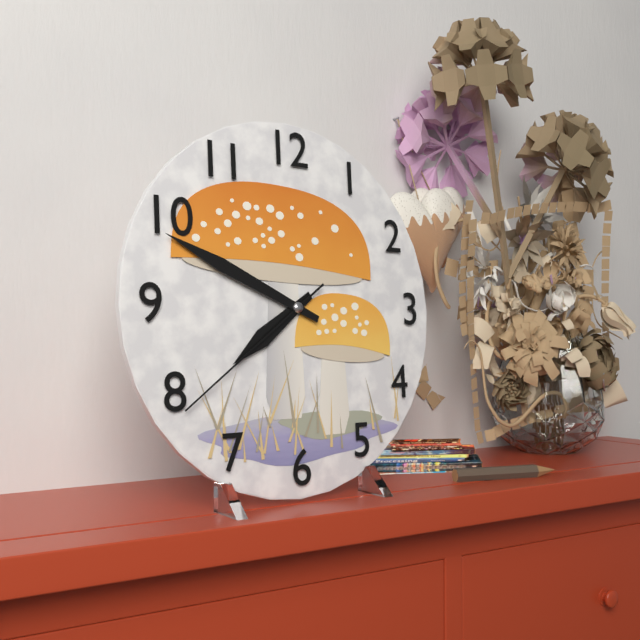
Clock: 7:49:39
